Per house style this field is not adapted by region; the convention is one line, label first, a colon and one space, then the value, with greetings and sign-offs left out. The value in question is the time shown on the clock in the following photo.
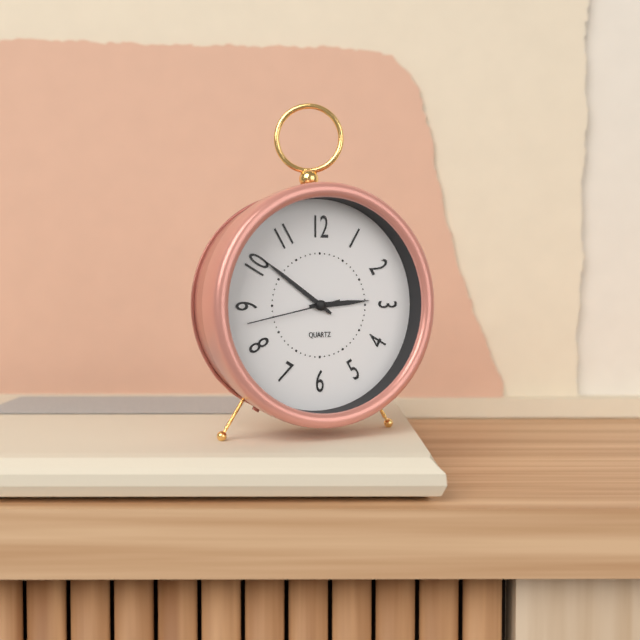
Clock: 2:51:43
